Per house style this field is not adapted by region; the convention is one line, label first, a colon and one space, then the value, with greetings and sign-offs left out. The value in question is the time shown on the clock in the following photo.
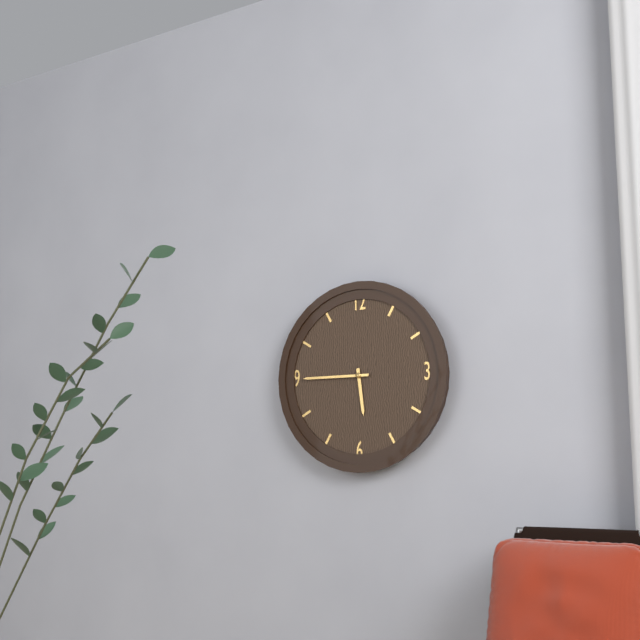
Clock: 5:45
